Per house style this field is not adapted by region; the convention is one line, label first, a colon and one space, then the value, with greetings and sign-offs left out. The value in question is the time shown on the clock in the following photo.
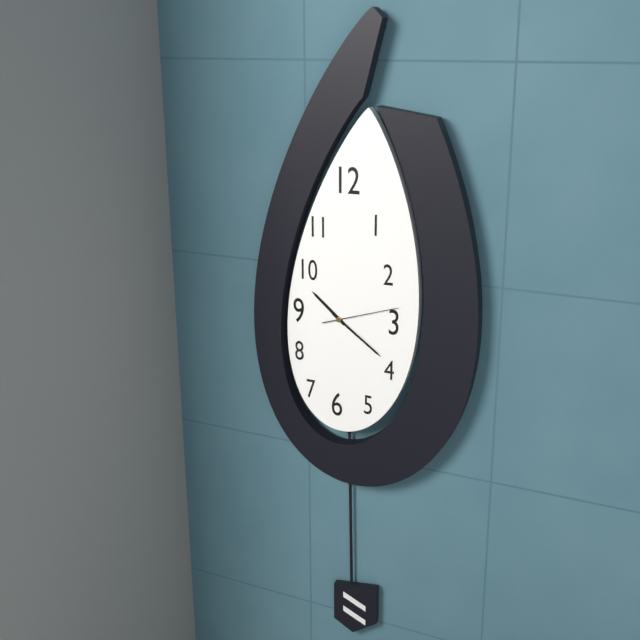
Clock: 10:21:12
